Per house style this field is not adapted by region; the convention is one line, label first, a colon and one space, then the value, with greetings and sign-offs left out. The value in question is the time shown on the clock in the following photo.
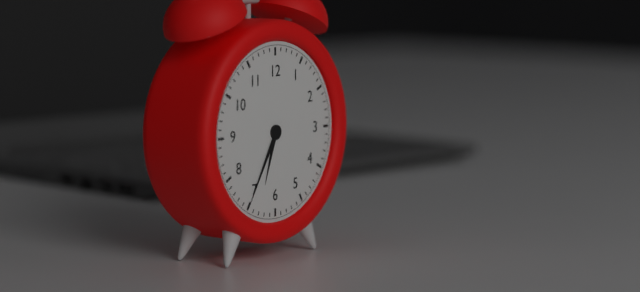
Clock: 6:35
